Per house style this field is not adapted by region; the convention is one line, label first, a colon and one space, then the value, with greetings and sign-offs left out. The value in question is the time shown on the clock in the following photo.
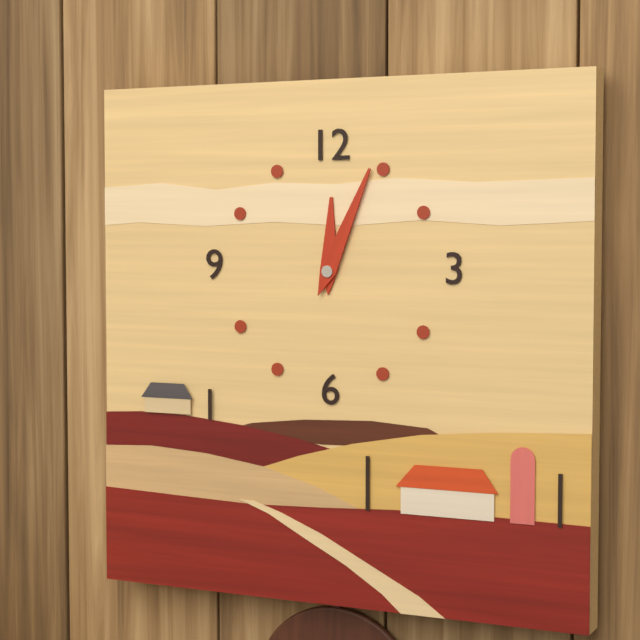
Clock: 12:04
